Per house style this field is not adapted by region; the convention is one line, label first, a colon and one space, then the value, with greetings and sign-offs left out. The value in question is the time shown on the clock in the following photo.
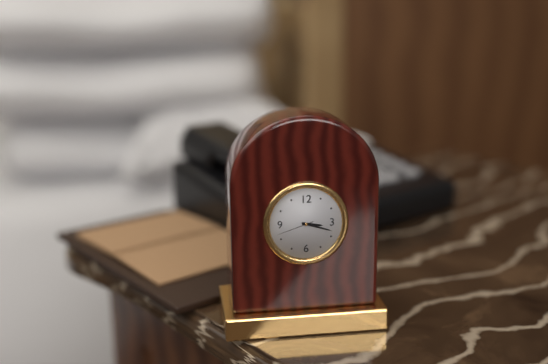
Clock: 3:18
